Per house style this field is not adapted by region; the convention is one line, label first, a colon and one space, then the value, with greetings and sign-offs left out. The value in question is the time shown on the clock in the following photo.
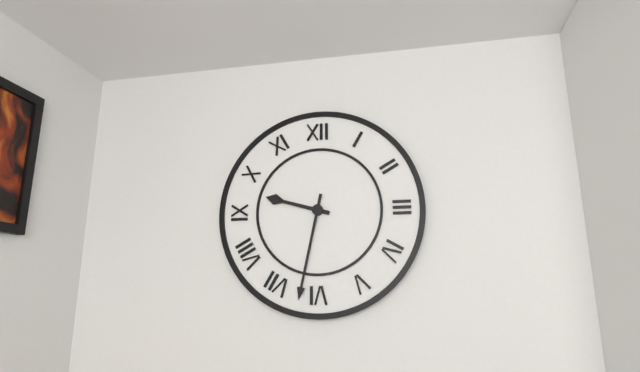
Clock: 9:32
